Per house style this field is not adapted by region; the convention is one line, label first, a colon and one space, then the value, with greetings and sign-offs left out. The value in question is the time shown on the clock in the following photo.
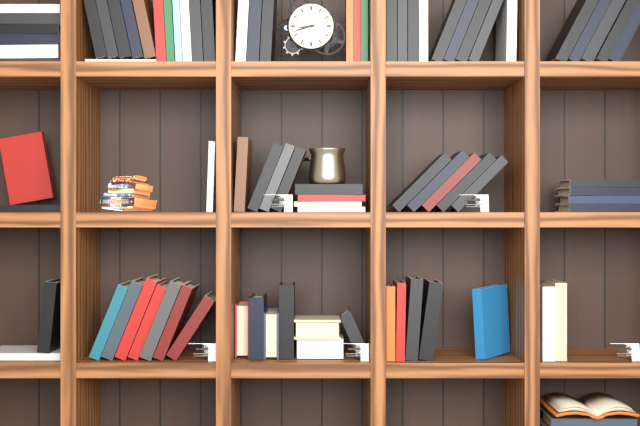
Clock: 8:42
